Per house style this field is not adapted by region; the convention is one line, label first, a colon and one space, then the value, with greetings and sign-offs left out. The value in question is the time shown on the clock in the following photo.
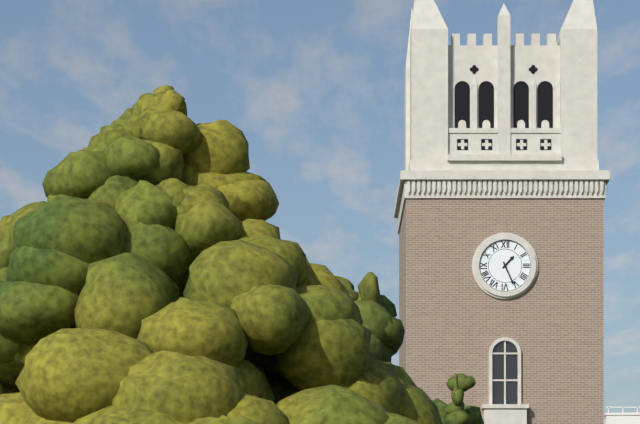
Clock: 1:26
